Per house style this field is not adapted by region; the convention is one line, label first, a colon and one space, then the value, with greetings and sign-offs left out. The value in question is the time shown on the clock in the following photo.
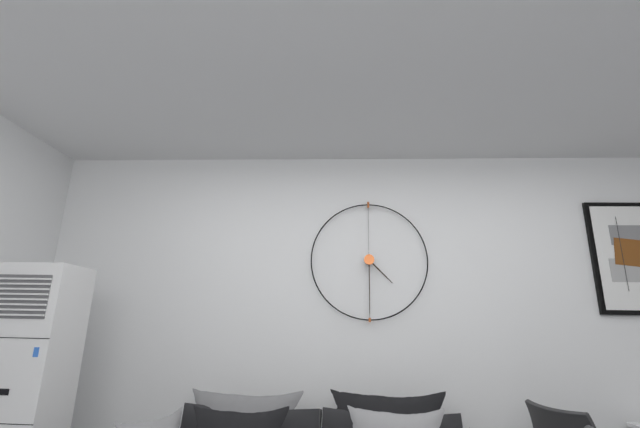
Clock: 4:30
